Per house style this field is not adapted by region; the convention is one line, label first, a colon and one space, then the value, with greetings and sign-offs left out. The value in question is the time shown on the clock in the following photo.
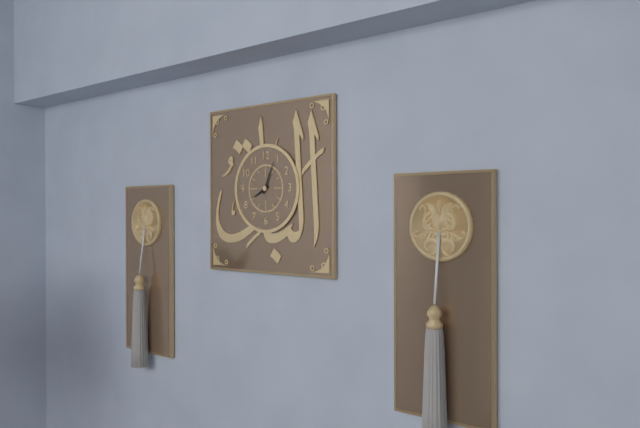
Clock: 8:04
